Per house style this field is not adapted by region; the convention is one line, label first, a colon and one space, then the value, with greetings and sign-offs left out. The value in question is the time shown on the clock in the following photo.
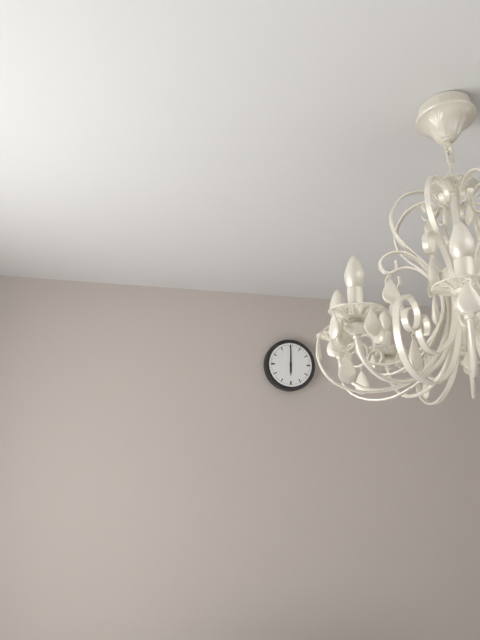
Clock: 6:00
